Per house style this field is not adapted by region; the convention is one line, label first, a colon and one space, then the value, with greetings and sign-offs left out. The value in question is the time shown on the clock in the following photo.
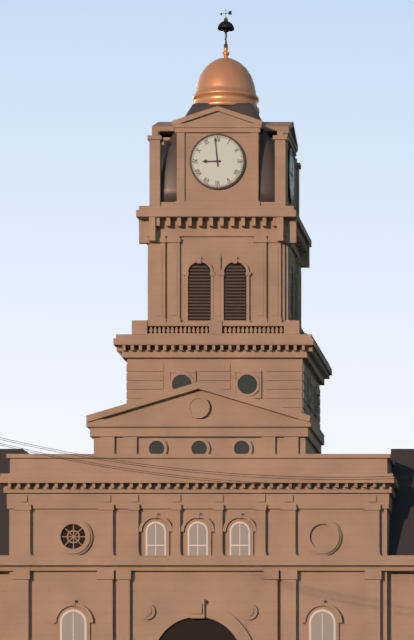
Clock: 8:59
